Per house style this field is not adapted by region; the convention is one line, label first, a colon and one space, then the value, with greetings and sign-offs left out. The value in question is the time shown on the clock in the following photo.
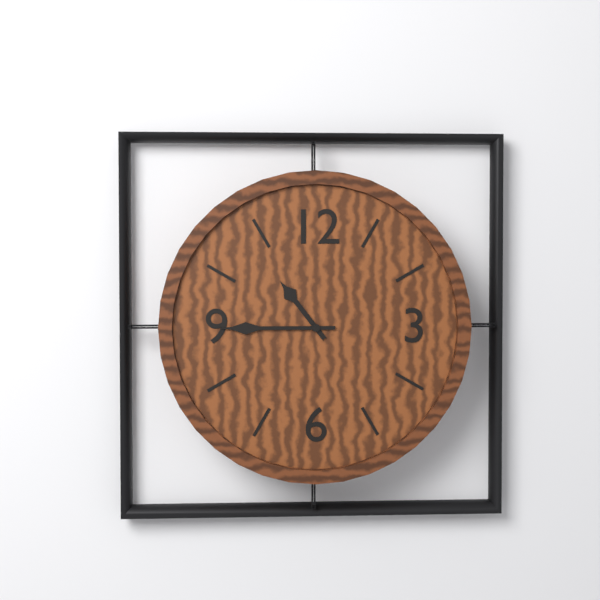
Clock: 10:45
